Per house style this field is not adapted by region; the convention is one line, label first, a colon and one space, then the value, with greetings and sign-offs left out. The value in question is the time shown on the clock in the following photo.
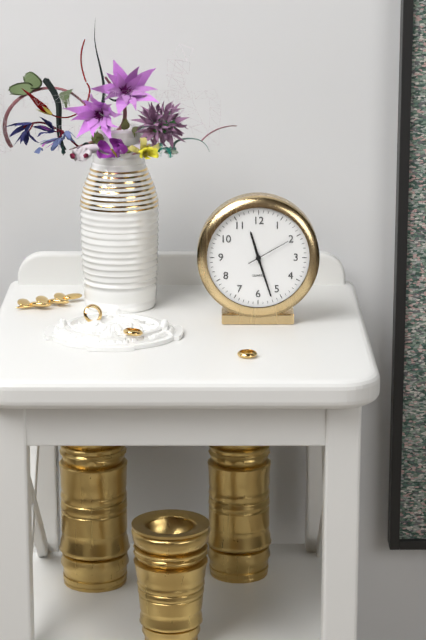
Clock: 11:27
